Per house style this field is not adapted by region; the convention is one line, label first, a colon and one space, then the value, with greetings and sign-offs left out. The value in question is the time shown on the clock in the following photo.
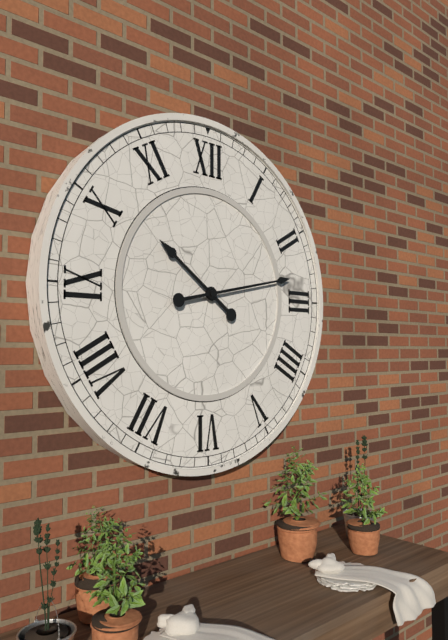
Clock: 10:13
